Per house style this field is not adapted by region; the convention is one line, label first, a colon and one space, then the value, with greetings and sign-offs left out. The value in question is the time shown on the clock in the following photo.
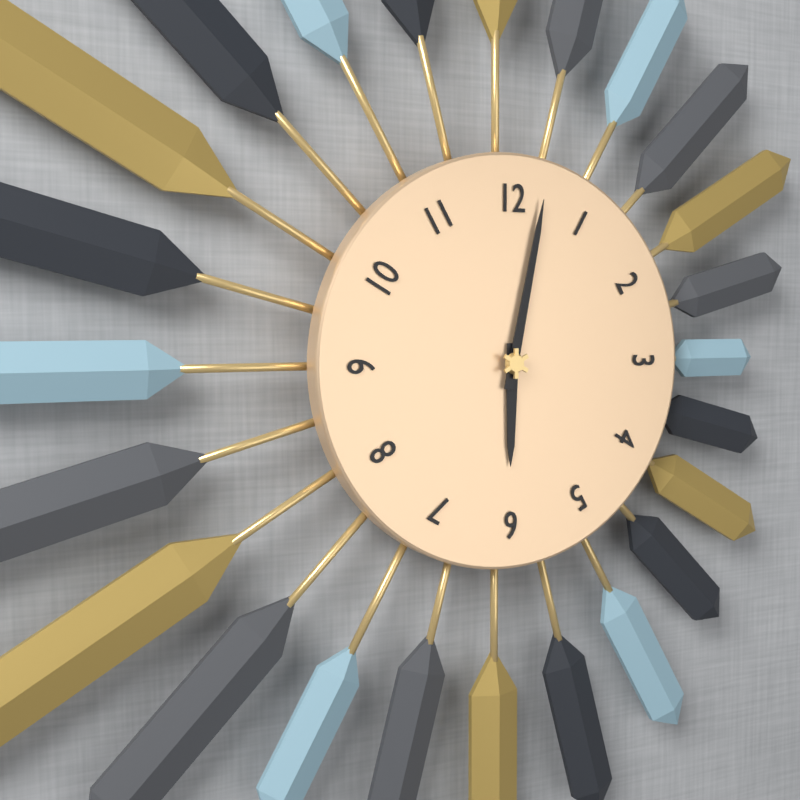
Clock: 6:02
